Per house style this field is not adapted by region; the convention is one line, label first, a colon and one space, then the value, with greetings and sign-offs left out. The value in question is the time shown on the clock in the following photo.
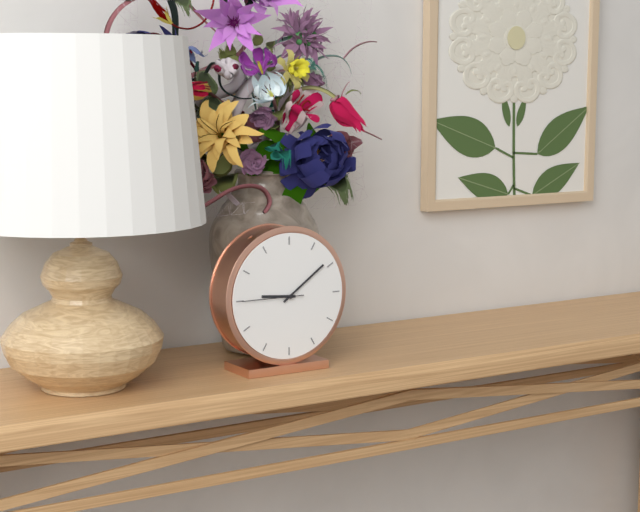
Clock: 9:09:45
